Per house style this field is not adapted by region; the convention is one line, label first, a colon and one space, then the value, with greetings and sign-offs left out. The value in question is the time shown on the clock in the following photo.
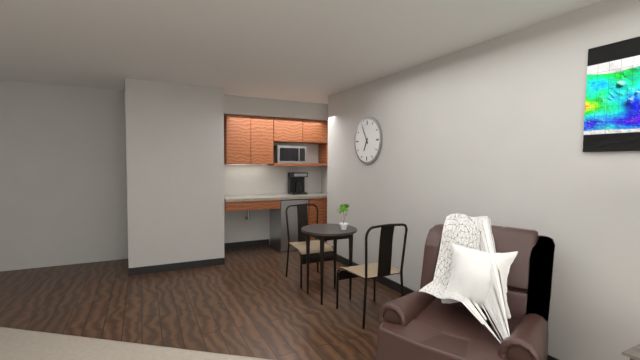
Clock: 6:55
